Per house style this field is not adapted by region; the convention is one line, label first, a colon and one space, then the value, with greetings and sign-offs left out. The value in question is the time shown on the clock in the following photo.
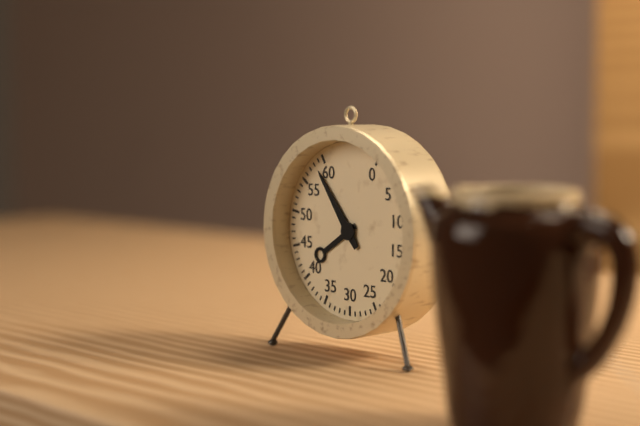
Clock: 7:54
